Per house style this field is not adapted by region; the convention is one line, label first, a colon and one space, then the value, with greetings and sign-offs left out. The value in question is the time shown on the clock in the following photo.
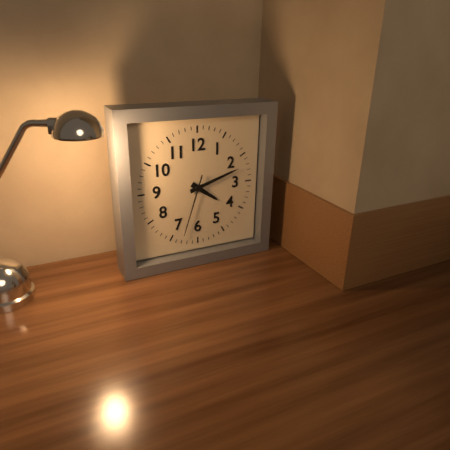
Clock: 4:12:33
